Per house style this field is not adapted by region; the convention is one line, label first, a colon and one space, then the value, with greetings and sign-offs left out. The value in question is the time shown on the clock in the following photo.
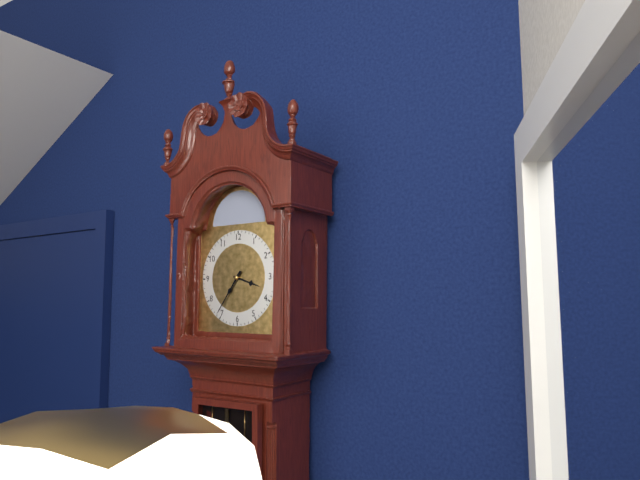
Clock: 3:36
